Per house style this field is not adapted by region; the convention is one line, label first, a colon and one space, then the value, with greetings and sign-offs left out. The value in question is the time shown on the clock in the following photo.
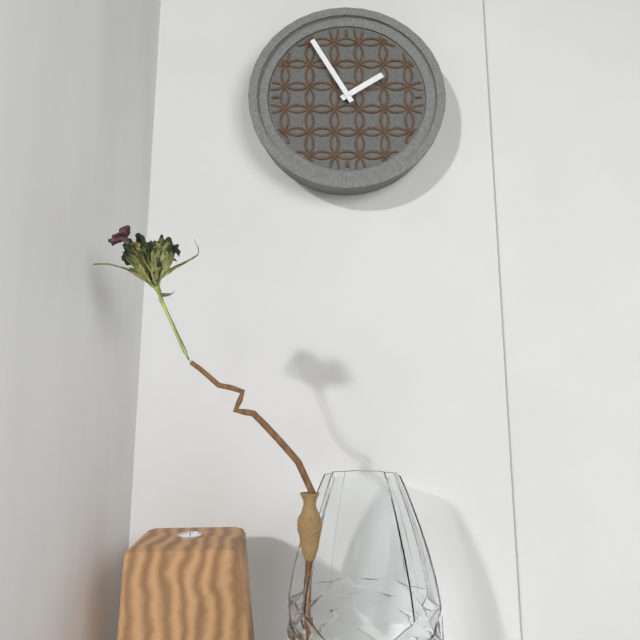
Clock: 1:55
